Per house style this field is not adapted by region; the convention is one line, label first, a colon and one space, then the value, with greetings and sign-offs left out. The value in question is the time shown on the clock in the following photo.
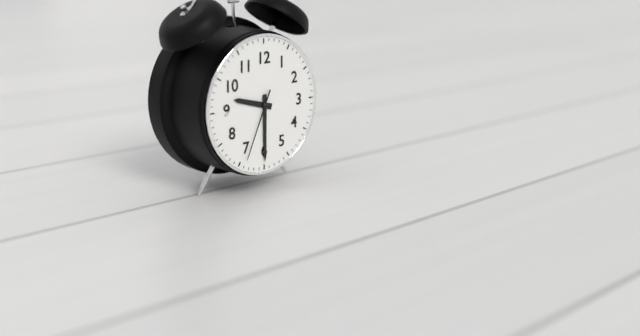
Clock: 9:30:34
